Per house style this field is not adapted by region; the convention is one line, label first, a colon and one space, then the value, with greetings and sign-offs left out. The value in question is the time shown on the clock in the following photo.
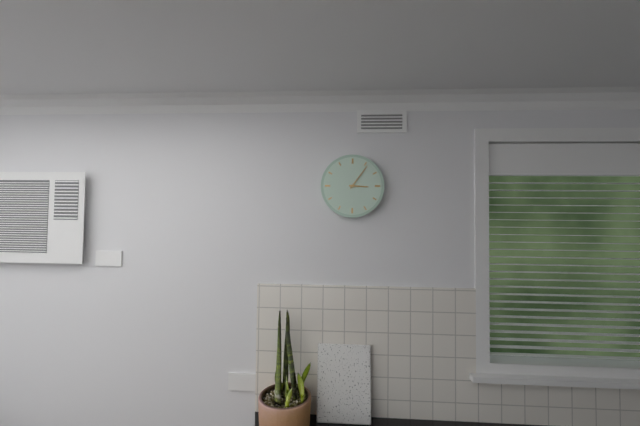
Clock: 3:06
